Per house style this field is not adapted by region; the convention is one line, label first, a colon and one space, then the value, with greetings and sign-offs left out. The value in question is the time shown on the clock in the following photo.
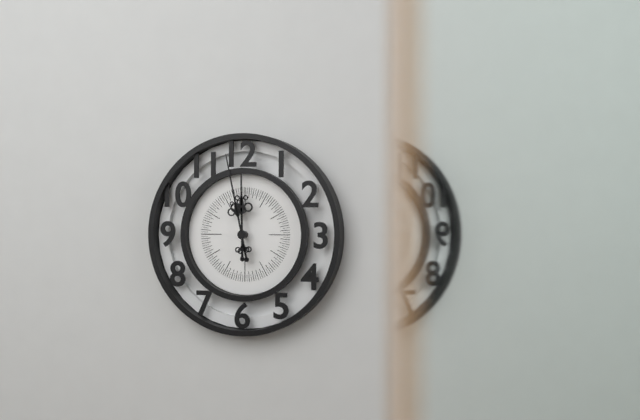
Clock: 11:58
